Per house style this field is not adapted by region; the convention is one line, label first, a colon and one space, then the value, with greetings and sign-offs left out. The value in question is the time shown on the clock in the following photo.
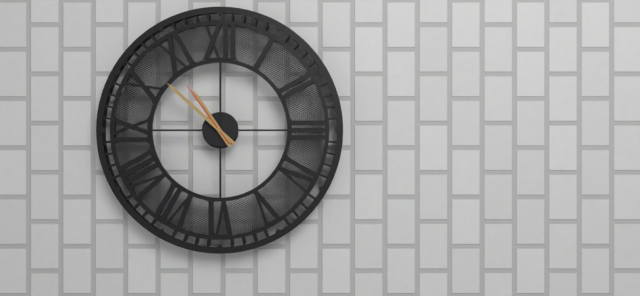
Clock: 10:52:54
